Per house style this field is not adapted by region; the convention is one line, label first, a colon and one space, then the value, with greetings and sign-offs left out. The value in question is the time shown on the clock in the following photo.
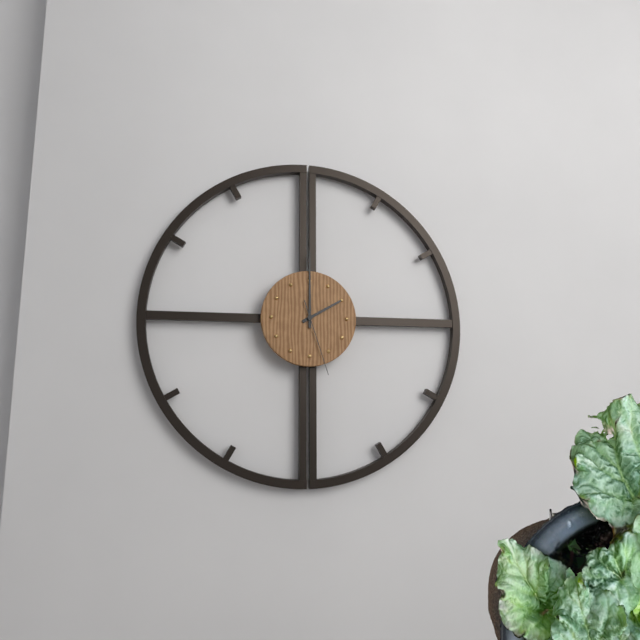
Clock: 2:00:27
